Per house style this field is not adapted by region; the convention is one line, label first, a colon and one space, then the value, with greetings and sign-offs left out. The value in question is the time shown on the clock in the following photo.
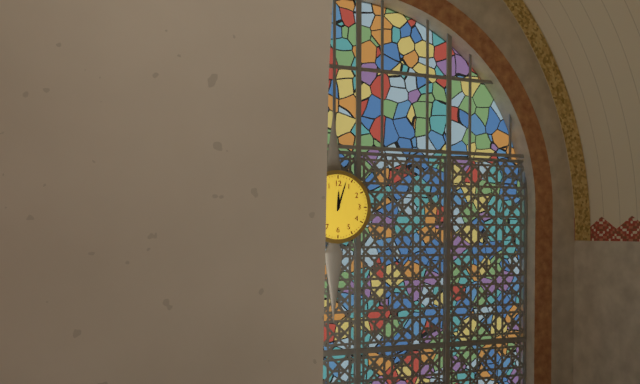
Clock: 12:03
